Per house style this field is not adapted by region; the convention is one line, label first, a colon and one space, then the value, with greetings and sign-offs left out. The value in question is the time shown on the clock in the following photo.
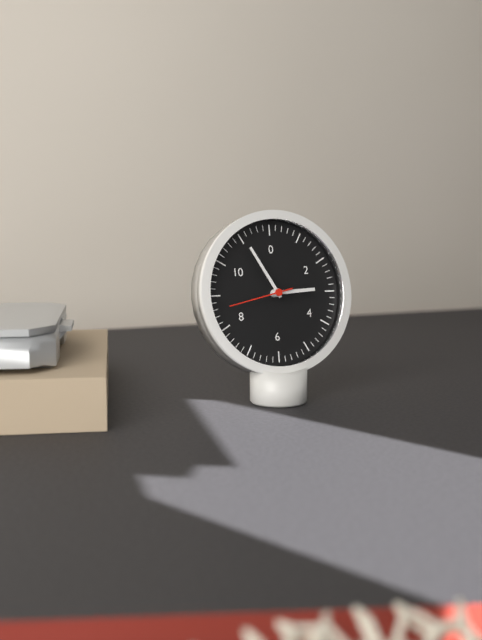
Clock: 2:55:43
